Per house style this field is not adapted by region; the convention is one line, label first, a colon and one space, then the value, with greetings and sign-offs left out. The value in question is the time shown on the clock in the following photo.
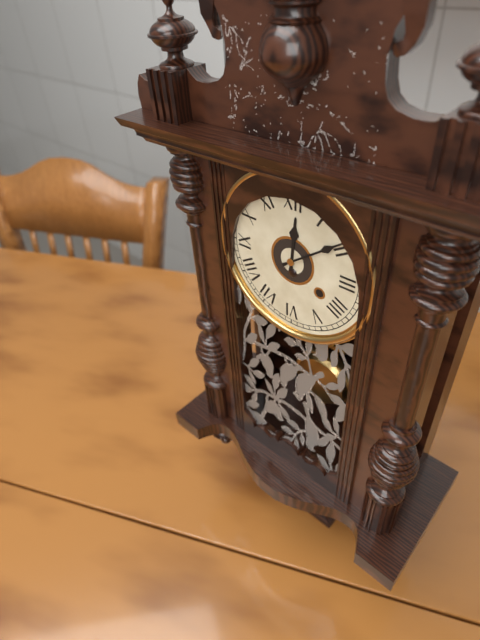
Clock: 12:09
